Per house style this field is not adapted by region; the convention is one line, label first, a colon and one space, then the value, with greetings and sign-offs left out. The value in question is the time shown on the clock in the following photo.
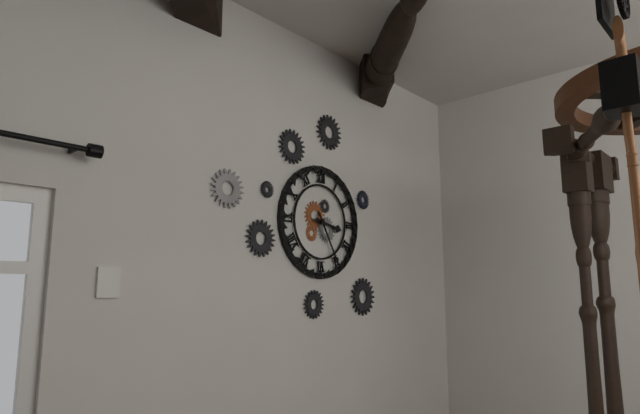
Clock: 3:25
